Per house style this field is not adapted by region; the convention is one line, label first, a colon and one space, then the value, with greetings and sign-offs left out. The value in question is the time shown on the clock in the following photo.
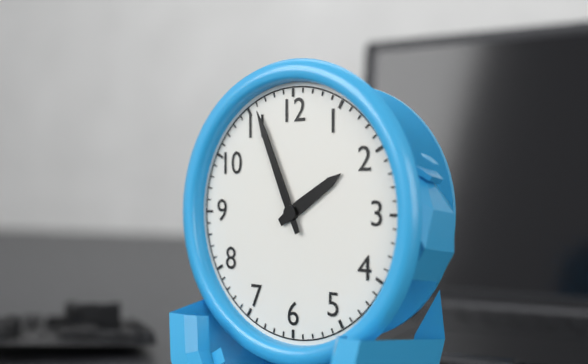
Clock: 1:56
